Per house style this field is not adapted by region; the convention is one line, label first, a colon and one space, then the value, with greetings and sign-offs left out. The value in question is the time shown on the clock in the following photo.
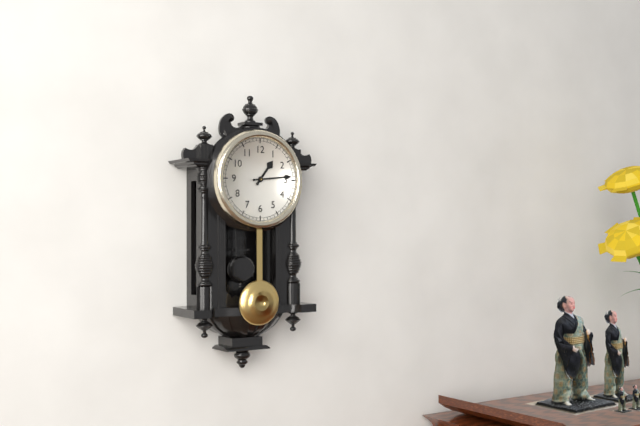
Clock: 1:14
